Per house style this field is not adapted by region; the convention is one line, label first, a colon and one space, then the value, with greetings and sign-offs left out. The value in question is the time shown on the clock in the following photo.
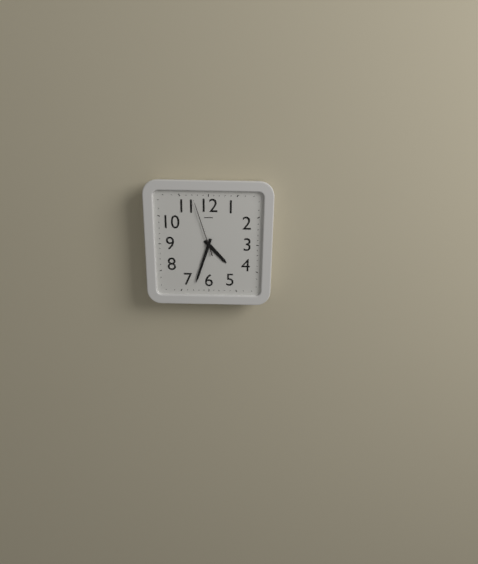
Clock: 4:33:57
